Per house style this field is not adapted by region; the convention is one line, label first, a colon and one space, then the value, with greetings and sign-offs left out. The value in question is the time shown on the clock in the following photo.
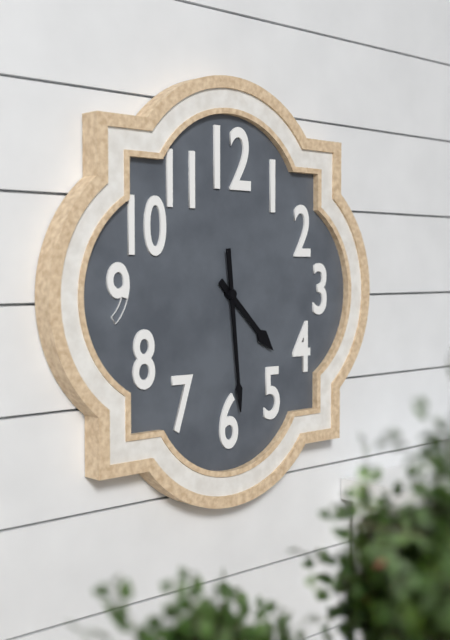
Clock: 4:29
